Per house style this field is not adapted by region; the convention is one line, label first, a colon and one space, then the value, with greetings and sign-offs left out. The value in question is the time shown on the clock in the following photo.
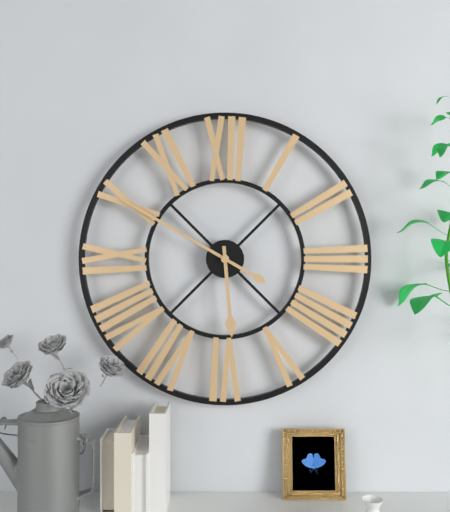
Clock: 5:50
